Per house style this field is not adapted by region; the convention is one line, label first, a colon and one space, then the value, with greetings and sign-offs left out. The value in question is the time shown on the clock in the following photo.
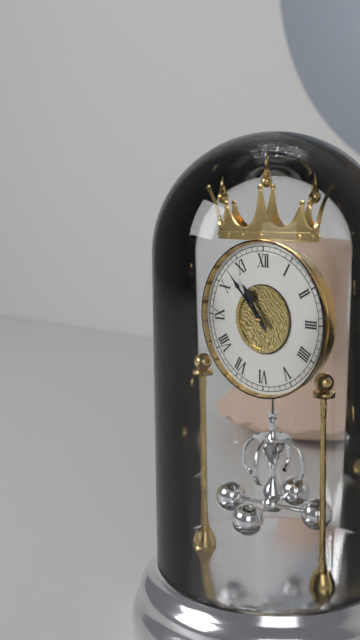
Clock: 10:53
